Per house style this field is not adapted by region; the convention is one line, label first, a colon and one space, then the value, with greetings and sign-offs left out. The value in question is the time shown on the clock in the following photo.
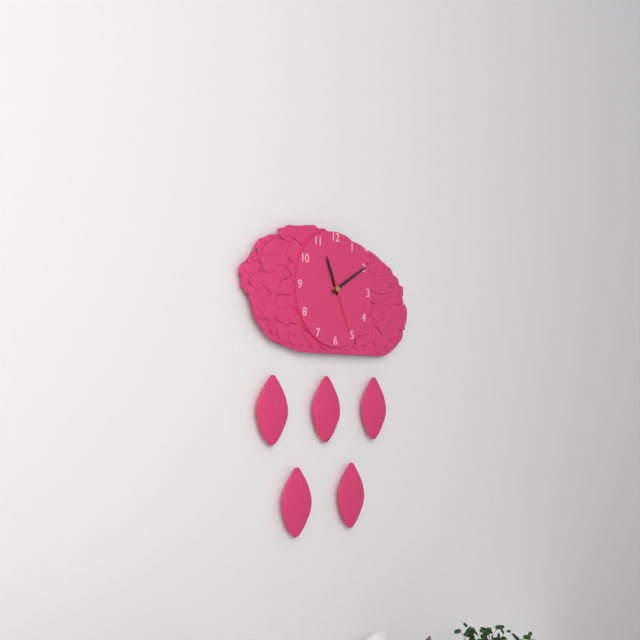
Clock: 11:10:26
